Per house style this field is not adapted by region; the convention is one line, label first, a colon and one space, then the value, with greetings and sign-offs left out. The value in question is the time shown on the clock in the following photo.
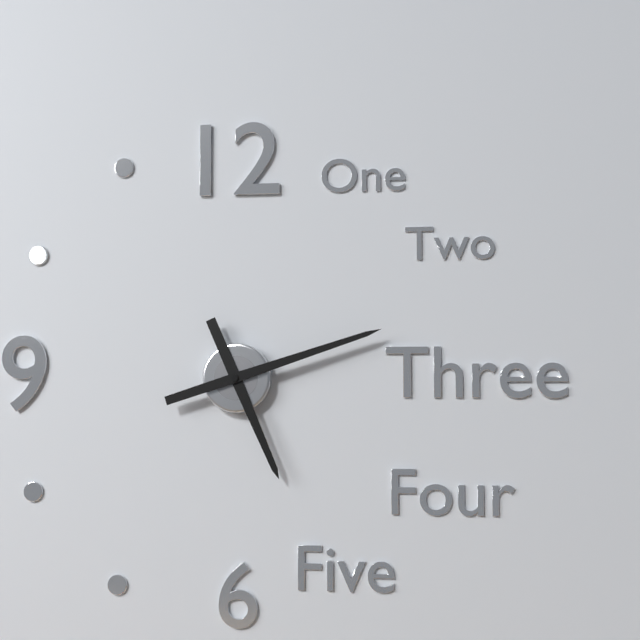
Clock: 5:12
